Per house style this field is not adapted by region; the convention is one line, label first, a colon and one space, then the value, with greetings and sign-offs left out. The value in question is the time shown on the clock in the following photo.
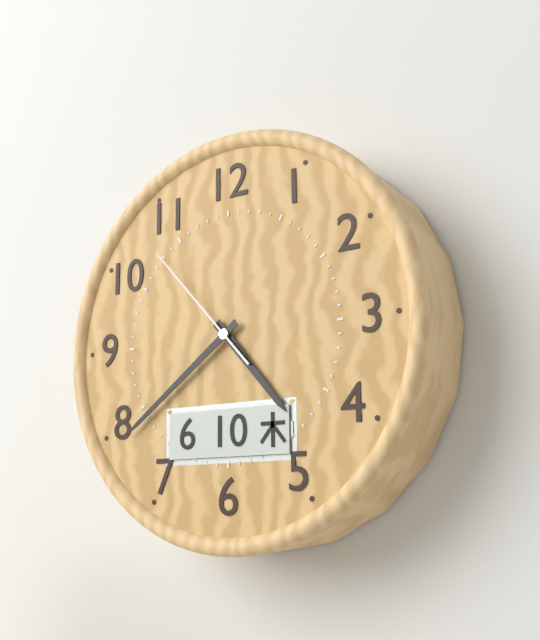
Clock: 4:39:53
